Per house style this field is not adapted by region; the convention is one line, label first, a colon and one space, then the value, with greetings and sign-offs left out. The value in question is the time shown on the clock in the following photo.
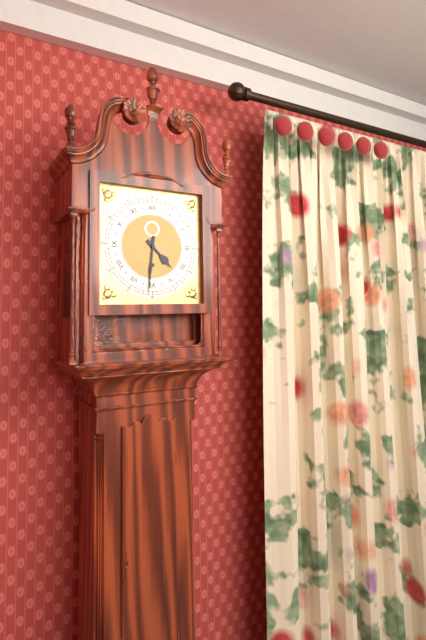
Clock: 4:31
